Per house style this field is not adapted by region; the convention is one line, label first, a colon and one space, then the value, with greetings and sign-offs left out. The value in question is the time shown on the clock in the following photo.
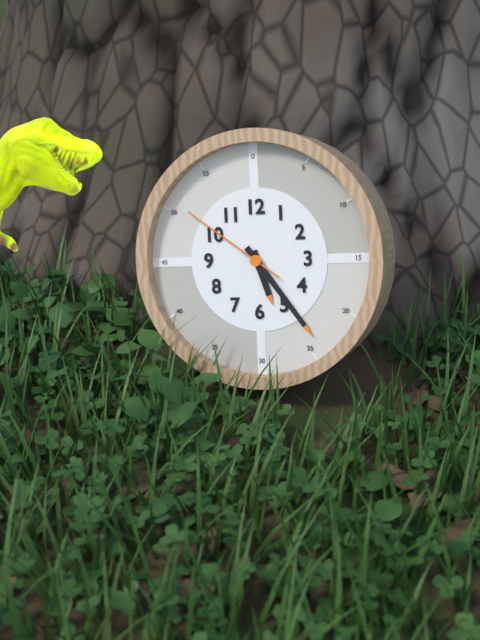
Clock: 5:24:51
